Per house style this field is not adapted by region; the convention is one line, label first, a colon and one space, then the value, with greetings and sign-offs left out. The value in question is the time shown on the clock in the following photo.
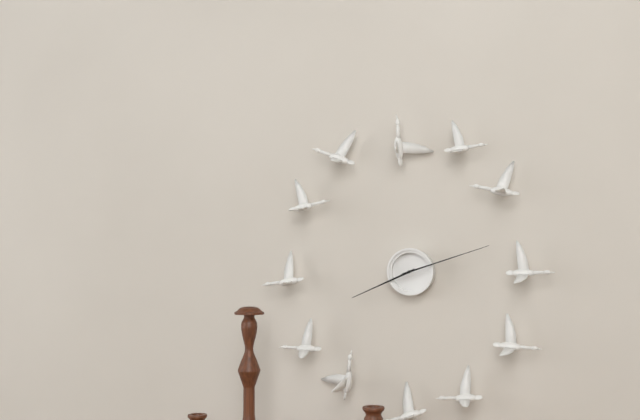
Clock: 8:12
